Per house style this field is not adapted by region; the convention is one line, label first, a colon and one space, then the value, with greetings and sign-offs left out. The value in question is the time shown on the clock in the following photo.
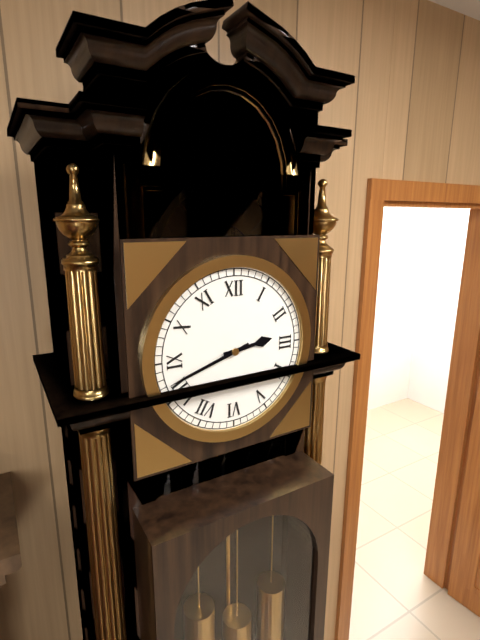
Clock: 2:42
